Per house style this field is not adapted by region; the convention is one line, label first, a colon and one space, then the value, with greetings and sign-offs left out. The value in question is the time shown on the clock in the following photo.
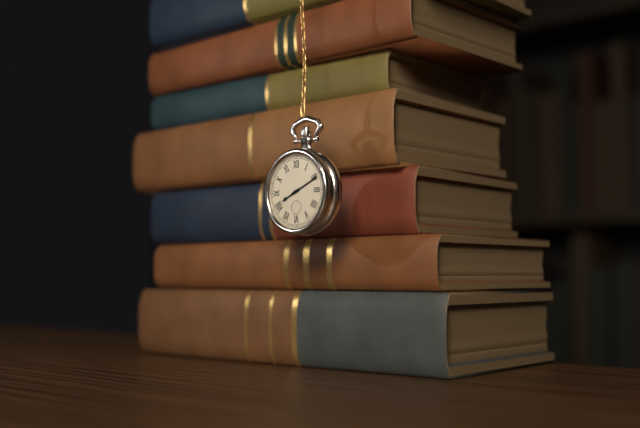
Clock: 8:11
